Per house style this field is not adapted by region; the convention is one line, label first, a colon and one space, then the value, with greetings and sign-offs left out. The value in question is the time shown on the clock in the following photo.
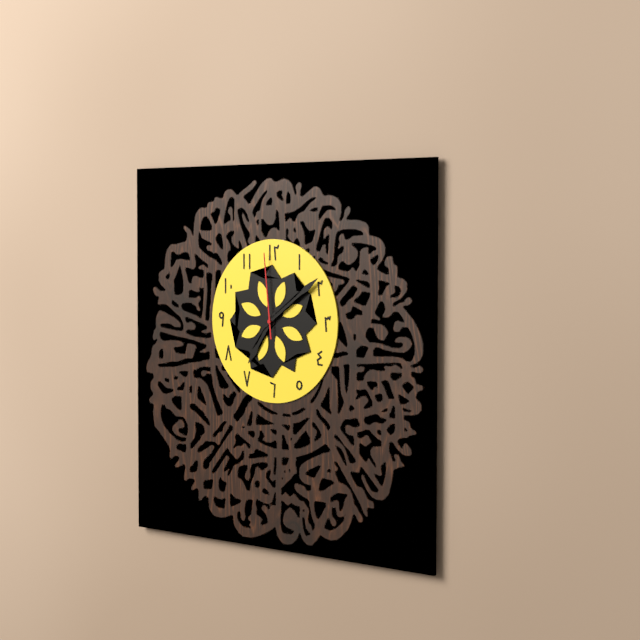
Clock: 7:09:59
